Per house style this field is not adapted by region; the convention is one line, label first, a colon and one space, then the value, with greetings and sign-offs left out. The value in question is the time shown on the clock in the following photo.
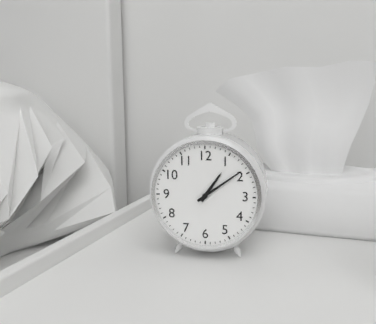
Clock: 1:09
